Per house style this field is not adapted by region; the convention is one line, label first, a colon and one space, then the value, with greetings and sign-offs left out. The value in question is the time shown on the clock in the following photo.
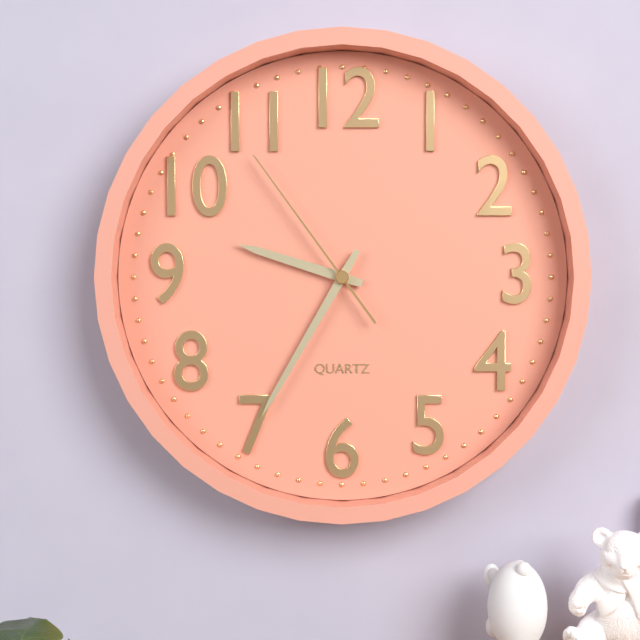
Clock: 9:35:54
